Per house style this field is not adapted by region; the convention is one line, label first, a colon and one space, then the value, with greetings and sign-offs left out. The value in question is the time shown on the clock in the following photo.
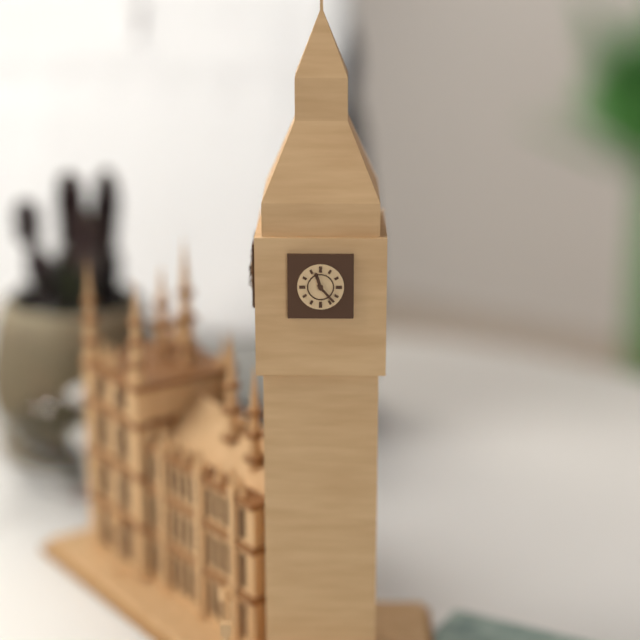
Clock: 11:23
